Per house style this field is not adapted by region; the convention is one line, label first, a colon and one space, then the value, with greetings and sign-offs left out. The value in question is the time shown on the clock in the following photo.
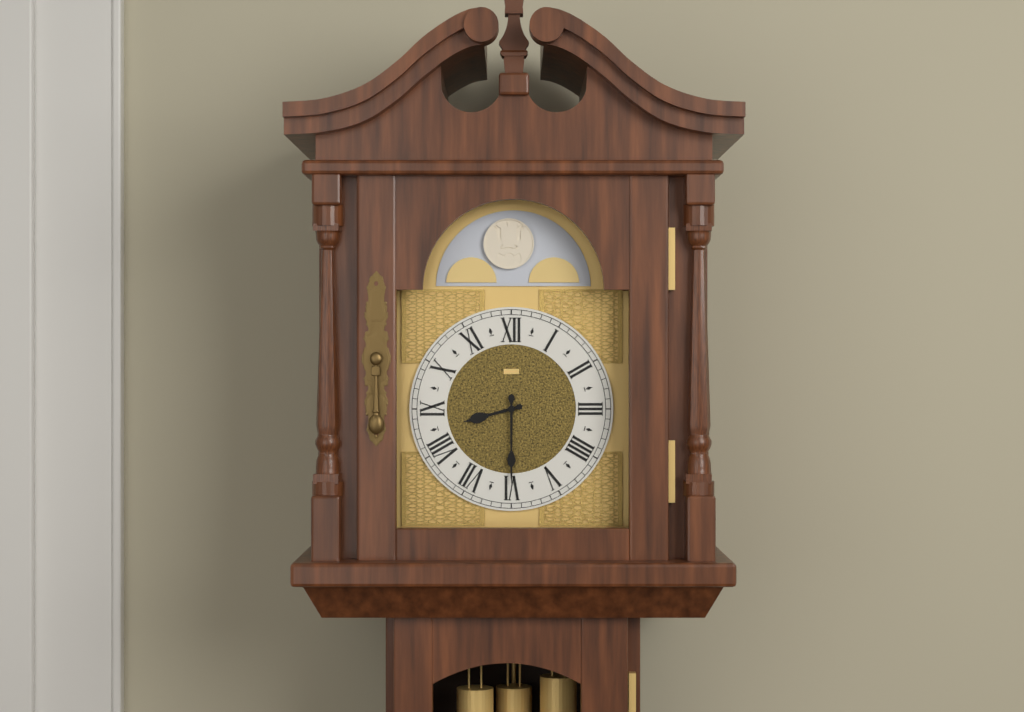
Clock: 8:30
